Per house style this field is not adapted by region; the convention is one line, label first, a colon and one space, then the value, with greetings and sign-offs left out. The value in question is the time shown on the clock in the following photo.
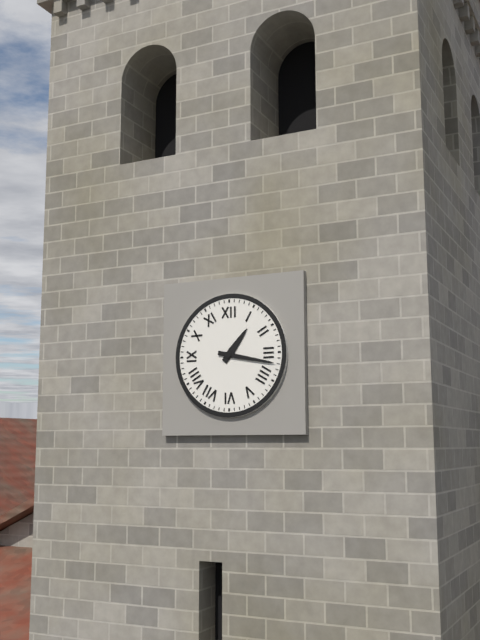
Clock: 1:17
